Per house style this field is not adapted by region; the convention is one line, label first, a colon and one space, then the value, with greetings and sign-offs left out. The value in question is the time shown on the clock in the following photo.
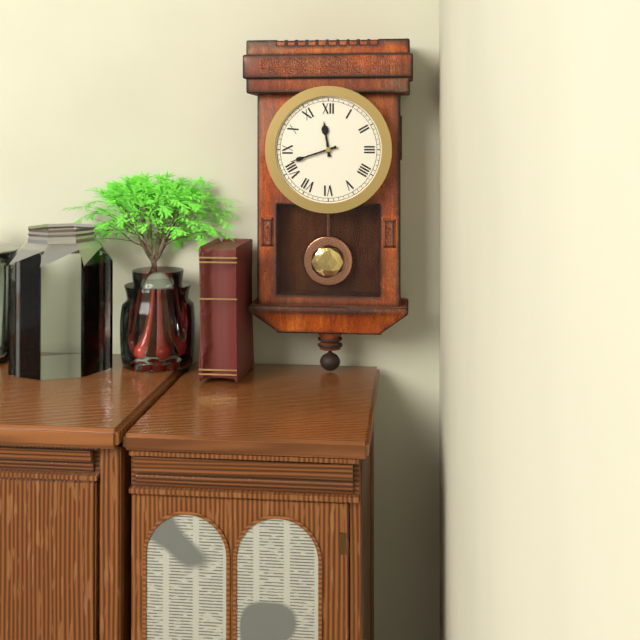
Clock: 11:42
